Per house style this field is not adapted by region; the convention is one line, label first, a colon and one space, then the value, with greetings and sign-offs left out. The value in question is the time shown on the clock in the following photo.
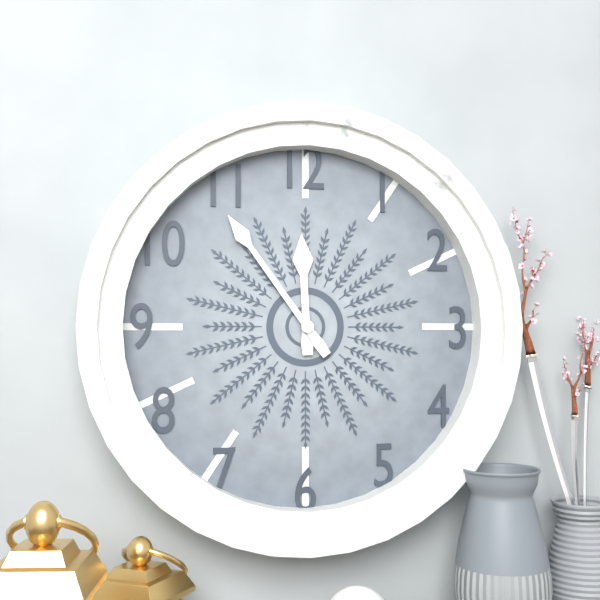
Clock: 11:54
